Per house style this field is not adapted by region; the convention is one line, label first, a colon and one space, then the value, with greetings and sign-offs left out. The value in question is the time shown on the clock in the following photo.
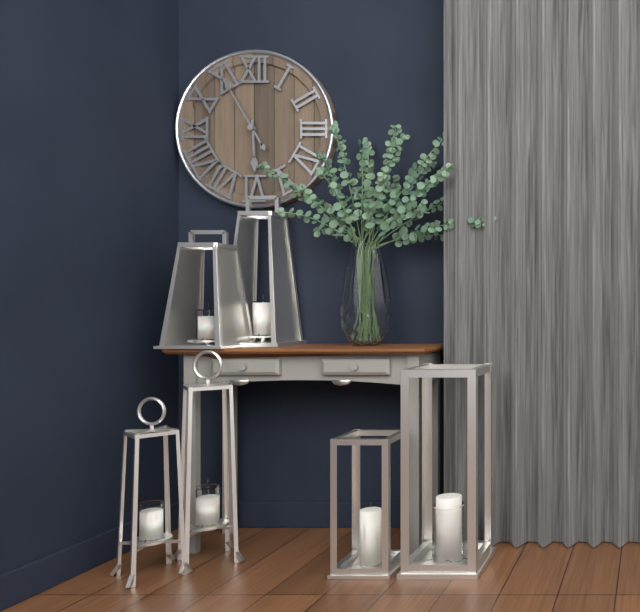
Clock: 5:55
